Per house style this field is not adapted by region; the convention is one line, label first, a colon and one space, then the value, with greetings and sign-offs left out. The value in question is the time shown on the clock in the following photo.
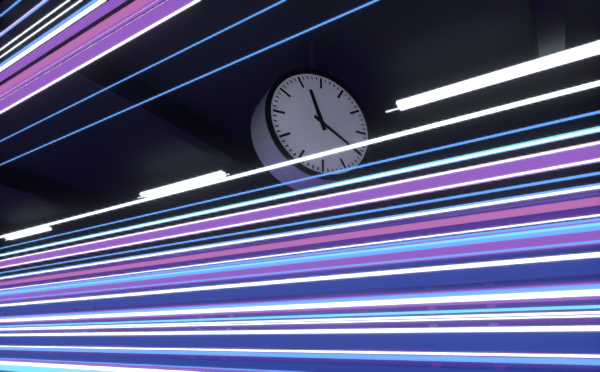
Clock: 11:20
